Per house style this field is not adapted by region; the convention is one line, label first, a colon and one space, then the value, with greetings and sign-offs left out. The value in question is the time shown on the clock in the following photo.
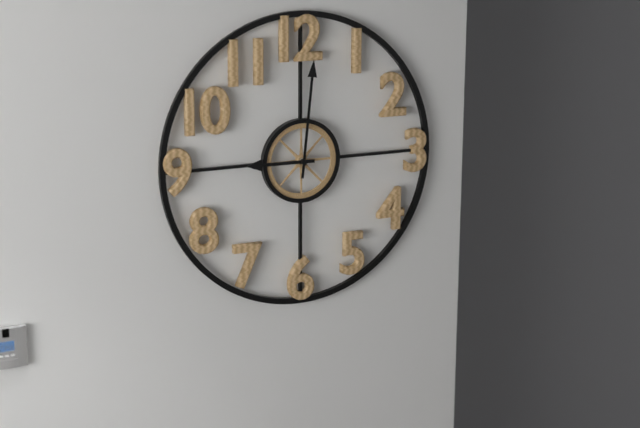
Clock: 9:01
